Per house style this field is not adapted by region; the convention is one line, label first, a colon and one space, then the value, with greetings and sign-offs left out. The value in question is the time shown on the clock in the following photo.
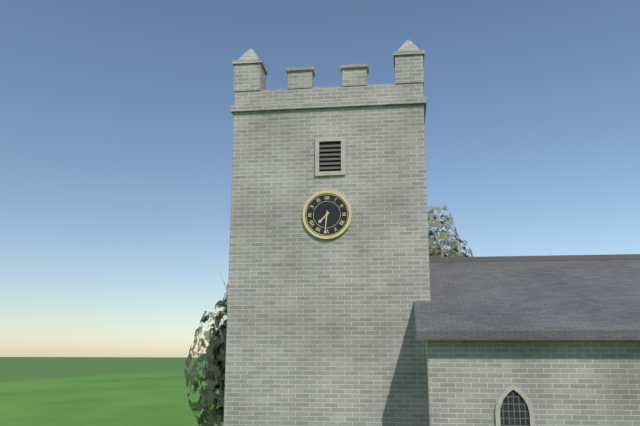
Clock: 7:31
